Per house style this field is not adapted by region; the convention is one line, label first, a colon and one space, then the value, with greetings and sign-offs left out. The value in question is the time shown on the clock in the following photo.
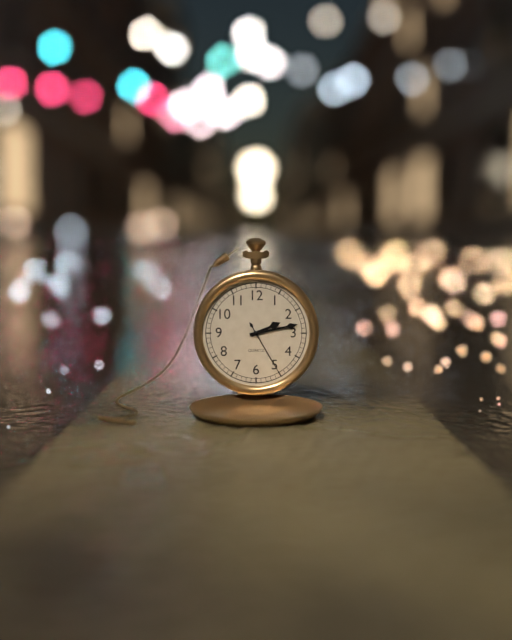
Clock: 2:13:25
